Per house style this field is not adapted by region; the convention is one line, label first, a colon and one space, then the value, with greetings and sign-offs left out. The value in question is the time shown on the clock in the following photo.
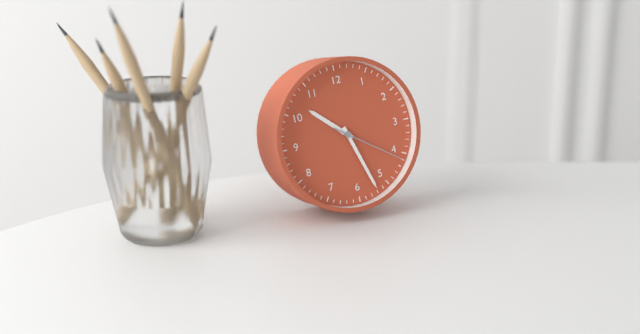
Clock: 10:27:21
